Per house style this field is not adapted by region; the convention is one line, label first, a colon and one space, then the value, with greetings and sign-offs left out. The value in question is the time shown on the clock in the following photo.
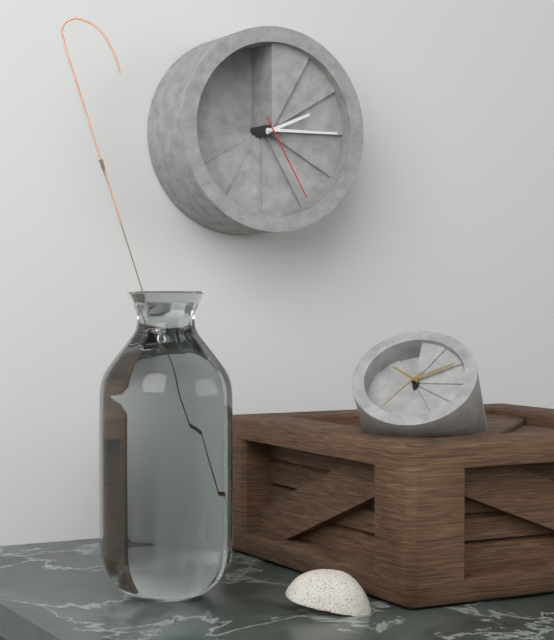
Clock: 2:15:25
